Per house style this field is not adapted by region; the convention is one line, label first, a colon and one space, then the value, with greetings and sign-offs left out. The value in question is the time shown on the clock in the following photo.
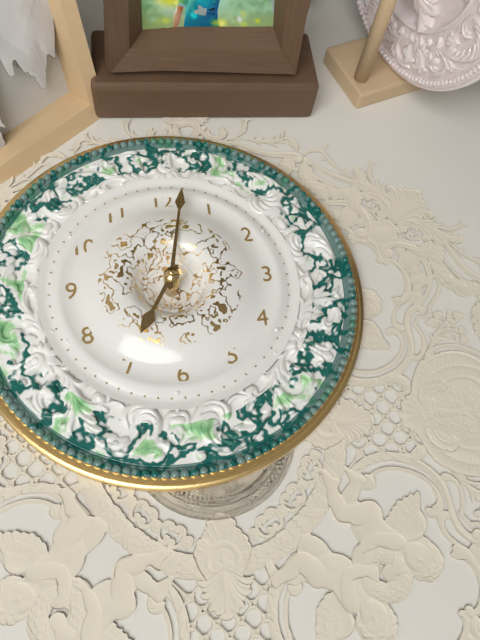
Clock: 7:02
